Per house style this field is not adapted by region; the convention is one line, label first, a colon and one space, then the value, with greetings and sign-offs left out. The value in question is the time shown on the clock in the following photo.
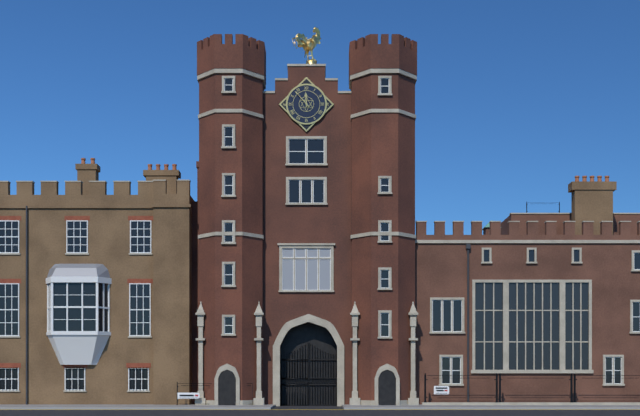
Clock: 11:53
